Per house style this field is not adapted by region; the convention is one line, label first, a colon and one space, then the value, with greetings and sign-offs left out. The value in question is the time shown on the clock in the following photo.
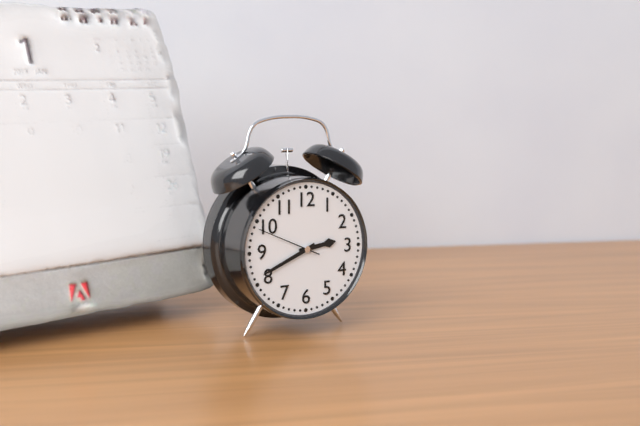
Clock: 2:41:49
